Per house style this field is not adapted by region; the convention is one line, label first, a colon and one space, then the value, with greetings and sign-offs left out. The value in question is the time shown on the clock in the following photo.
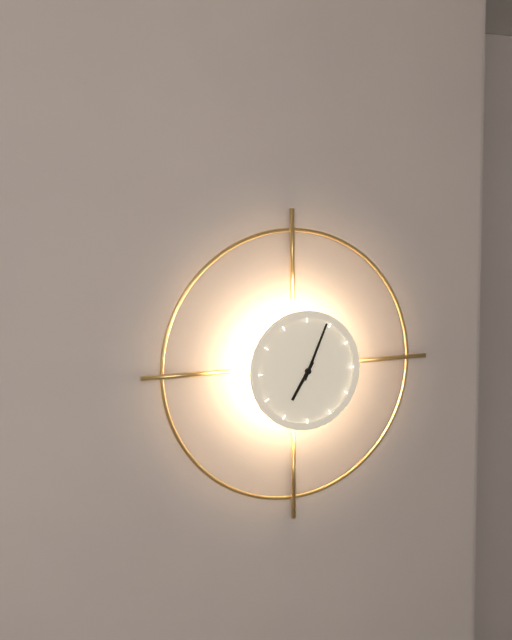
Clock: 7:04
